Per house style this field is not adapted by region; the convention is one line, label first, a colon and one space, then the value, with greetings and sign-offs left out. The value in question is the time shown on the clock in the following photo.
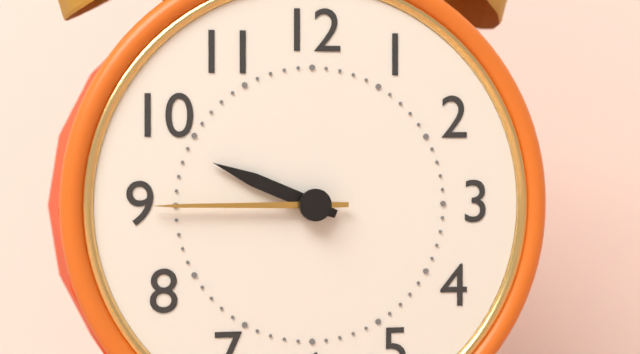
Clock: 9:45
